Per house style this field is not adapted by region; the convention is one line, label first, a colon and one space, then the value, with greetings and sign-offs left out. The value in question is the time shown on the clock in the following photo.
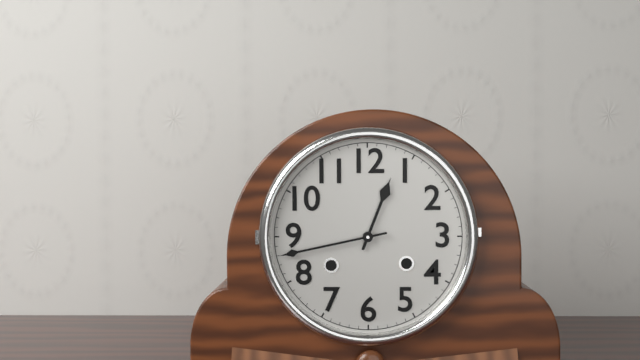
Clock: 12:43
